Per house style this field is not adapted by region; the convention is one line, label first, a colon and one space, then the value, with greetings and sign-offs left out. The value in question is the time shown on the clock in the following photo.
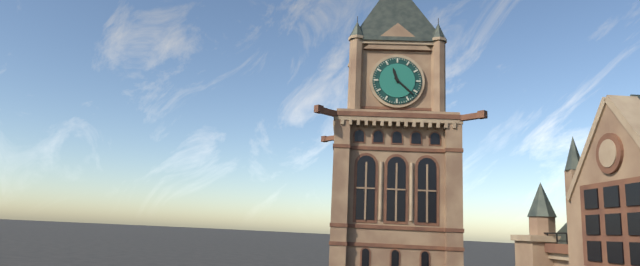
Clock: 11:22
